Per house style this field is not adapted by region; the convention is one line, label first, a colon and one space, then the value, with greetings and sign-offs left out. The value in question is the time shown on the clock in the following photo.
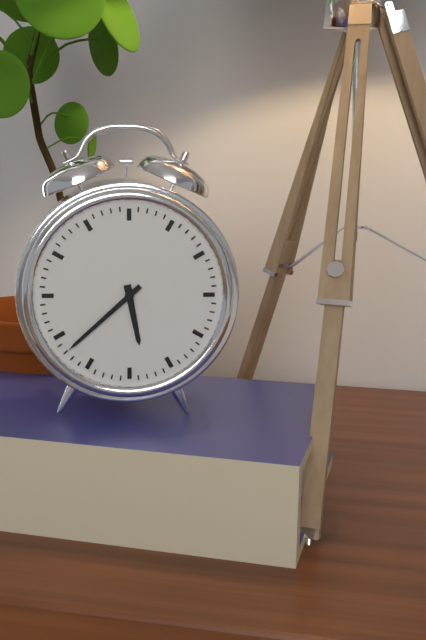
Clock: 5:38
